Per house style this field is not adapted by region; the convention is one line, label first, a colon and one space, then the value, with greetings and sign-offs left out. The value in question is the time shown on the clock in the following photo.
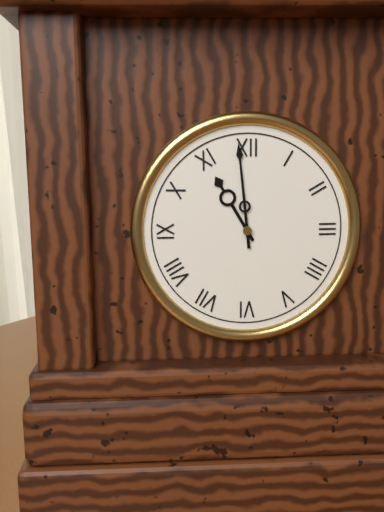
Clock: 10:59
